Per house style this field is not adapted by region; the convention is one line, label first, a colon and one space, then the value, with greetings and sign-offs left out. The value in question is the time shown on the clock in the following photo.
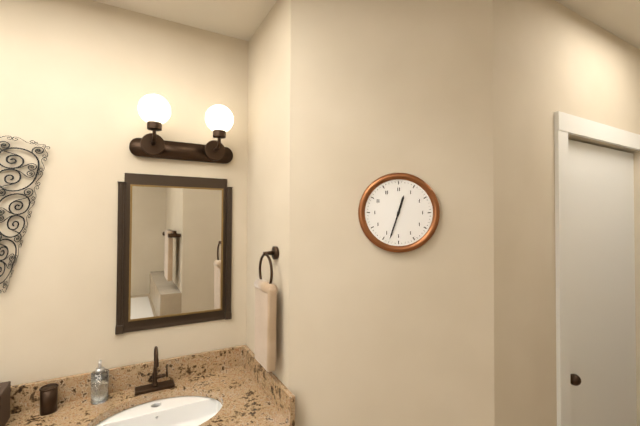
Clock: 12:33
